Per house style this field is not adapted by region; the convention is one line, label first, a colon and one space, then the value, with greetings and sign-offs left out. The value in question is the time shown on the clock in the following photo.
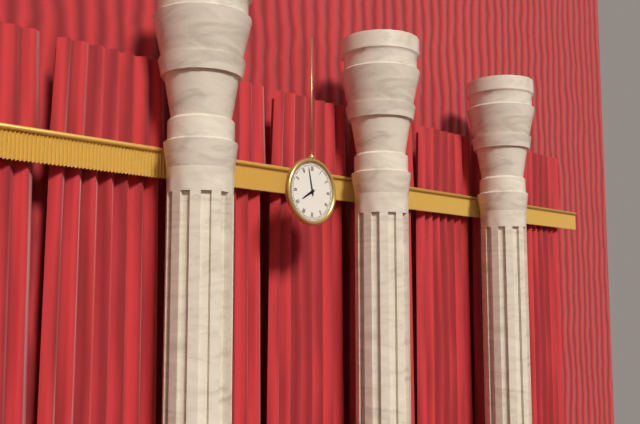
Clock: 7:58
